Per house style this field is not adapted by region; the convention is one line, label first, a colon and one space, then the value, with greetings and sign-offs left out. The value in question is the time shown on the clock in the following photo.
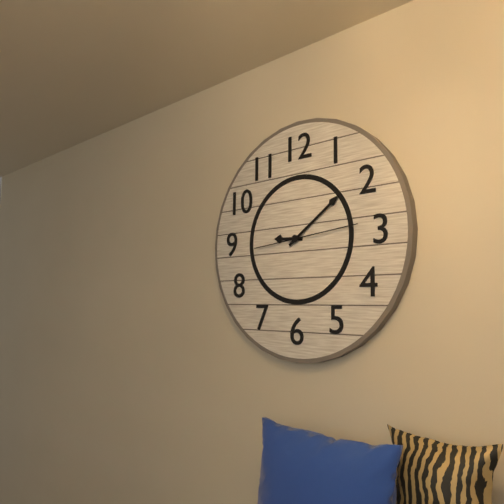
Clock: 9:09:14
